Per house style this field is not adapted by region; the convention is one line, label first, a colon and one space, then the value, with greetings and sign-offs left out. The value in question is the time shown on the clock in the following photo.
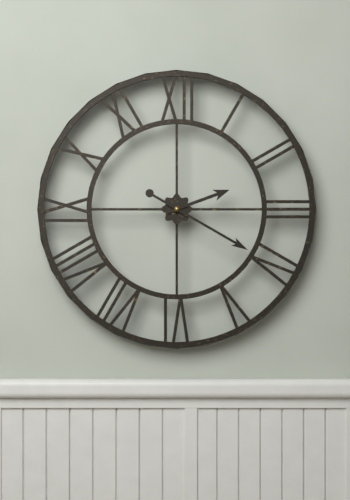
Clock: 2:20
